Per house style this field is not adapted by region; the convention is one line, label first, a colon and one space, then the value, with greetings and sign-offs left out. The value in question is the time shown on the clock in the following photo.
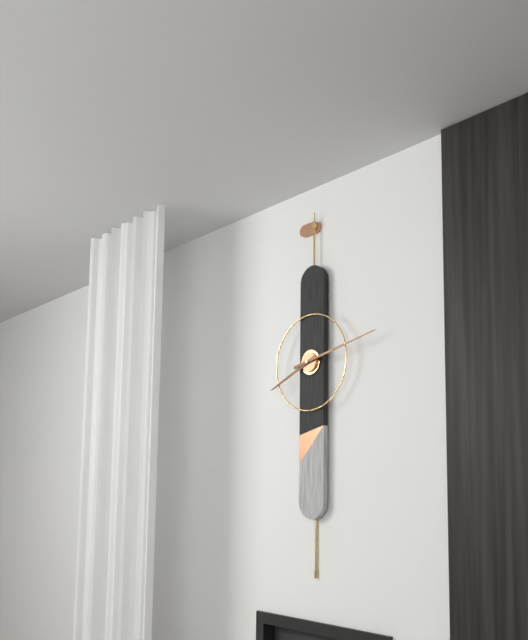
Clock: 8:13
